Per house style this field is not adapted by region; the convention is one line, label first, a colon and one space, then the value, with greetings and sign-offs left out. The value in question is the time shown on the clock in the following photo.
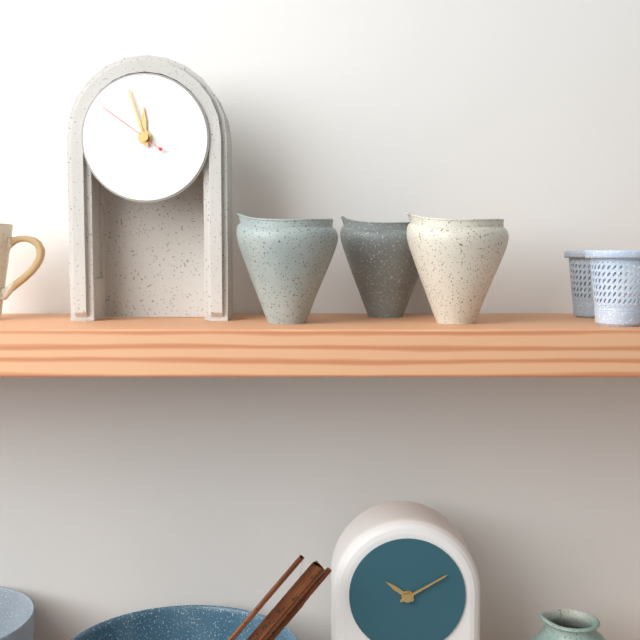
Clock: 11:57:51
